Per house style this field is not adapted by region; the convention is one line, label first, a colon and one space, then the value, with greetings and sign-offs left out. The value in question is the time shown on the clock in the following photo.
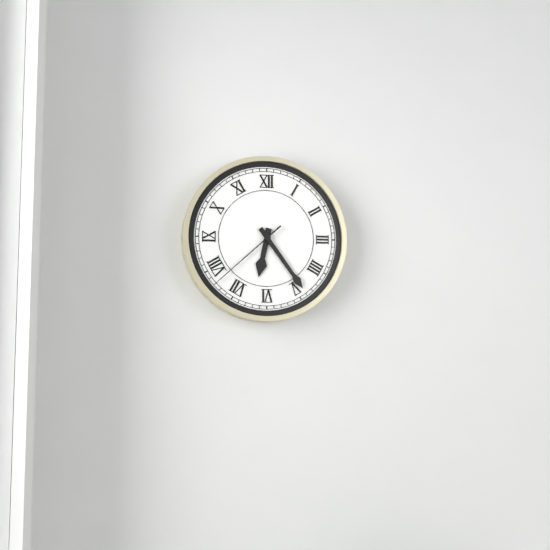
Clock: 6:24:38
